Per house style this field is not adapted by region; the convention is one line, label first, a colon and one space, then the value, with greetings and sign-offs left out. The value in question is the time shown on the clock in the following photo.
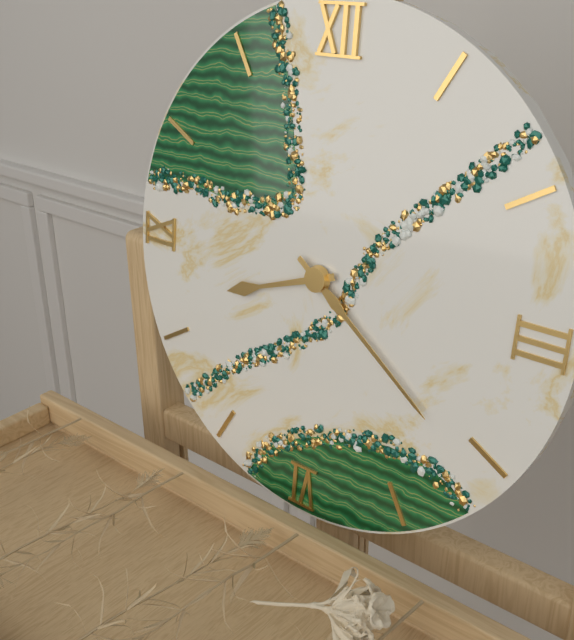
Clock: 8:21
